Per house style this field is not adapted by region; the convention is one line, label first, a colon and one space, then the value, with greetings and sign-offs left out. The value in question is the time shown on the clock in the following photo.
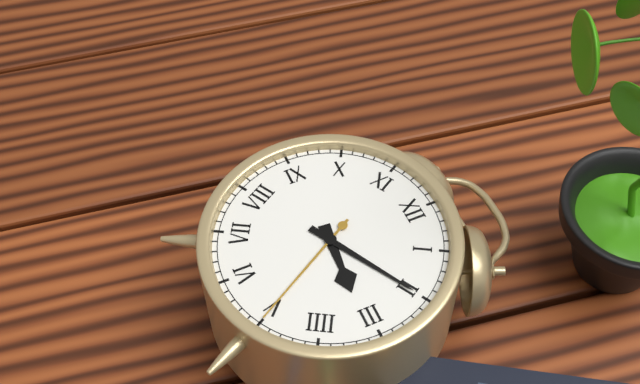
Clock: 3:10:25
